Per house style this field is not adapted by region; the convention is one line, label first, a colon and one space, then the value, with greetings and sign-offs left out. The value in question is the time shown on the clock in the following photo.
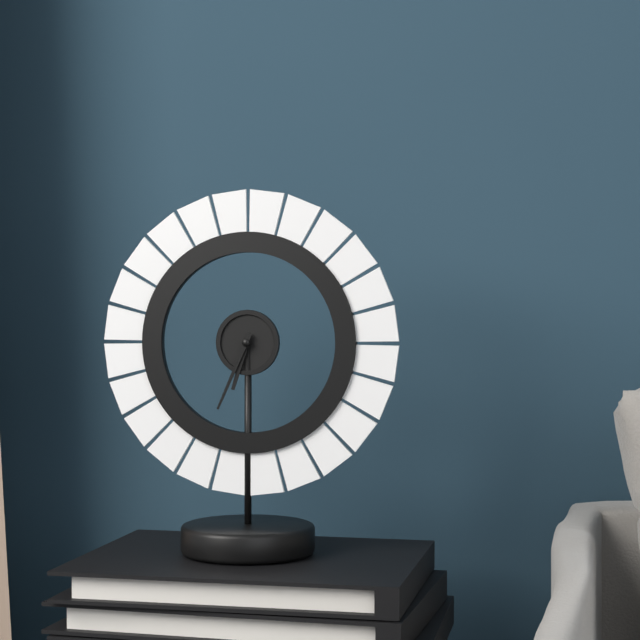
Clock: 6:34
